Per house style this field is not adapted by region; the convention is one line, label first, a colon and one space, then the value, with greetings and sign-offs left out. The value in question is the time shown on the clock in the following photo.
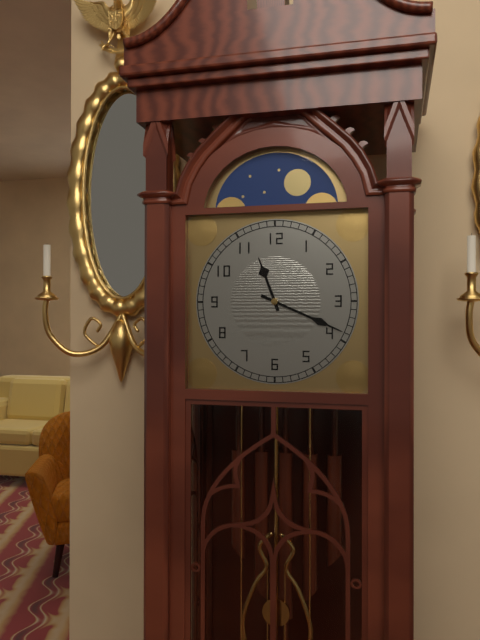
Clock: 11:19
